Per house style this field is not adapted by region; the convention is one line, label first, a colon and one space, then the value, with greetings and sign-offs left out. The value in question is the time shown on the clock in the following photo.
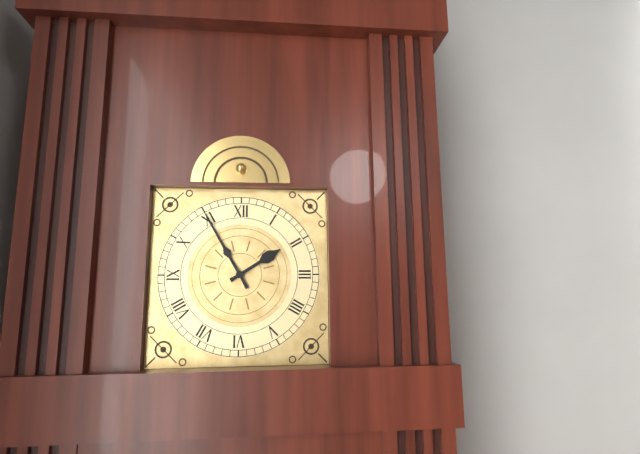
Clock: 1:55
